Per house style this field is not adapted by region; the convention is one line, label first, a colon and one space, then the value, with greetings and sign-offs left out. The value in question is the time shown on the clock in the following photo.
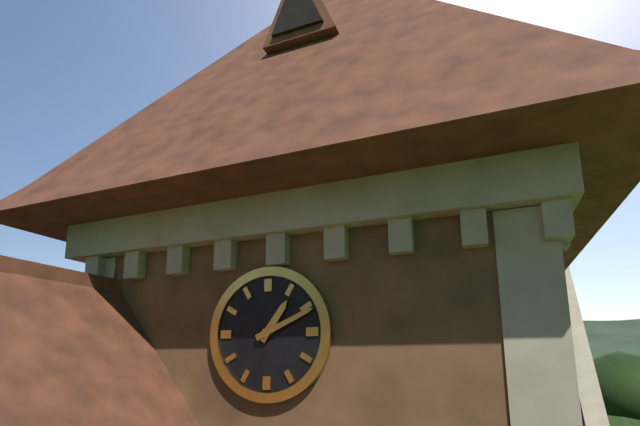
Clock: 1:11
